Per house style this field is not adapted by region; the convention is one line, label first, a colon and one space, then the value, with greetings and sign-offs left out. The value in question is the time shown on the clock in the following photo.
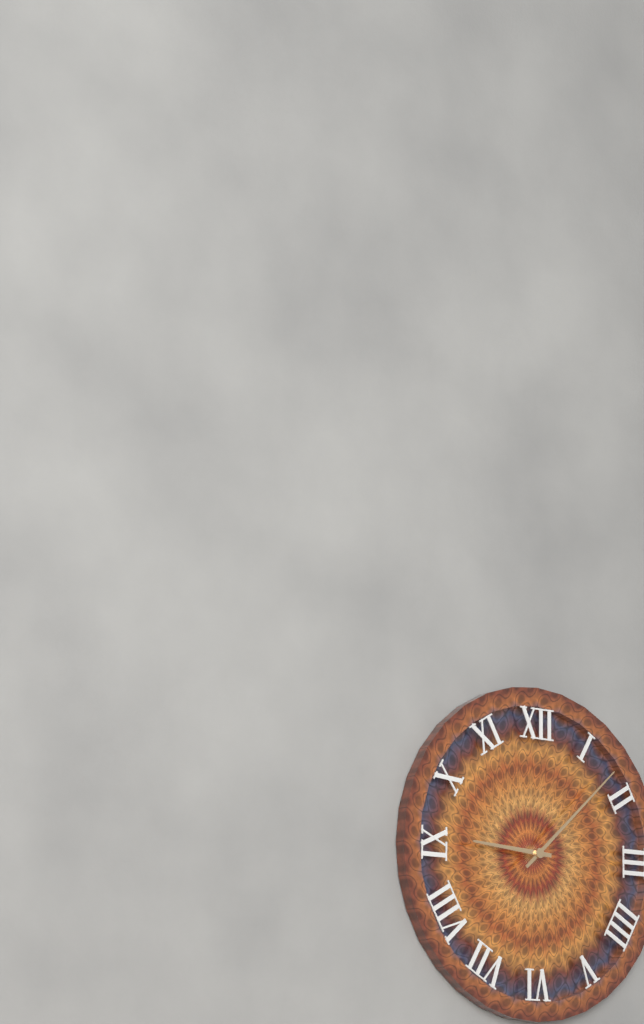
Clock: 9:08
